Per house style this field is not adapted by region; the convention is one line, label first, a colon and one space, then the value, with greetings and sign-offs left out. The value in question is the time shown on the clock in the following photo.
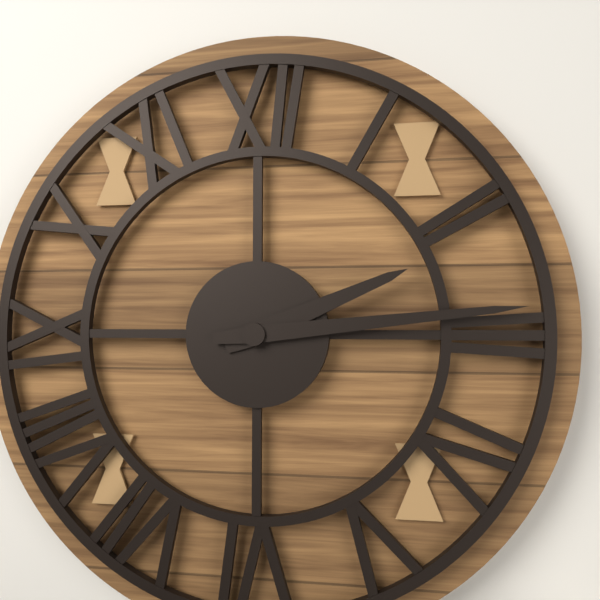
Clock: 2:14
